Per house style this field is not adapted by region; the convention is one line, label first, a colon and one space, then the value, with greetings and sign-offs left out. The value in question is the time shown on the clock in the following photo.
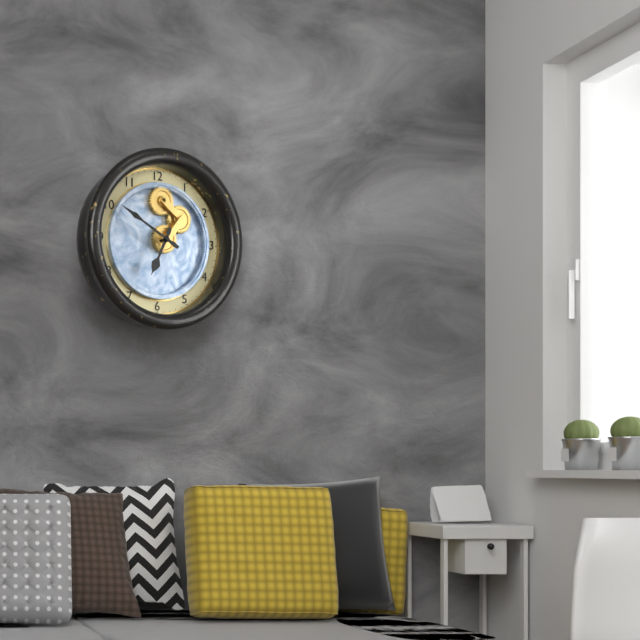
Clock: 6:50
